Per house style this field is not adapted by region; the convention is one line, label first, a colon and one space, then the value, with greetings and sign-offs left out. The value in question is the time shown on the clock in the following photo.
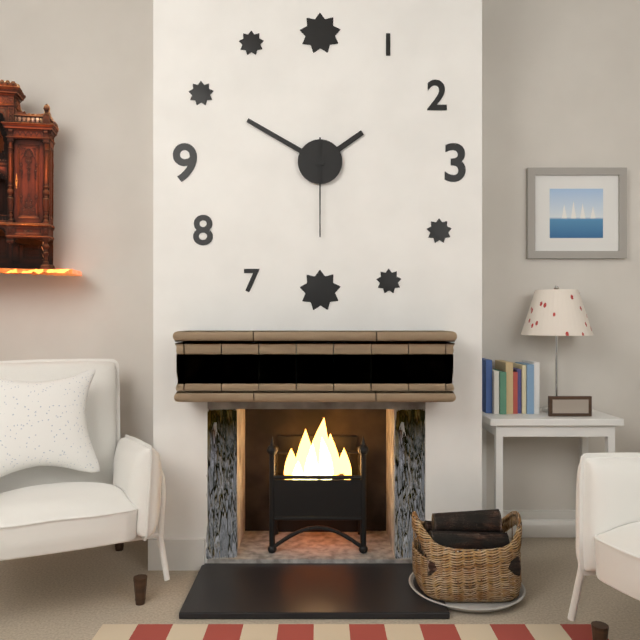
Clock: 1:50:30
